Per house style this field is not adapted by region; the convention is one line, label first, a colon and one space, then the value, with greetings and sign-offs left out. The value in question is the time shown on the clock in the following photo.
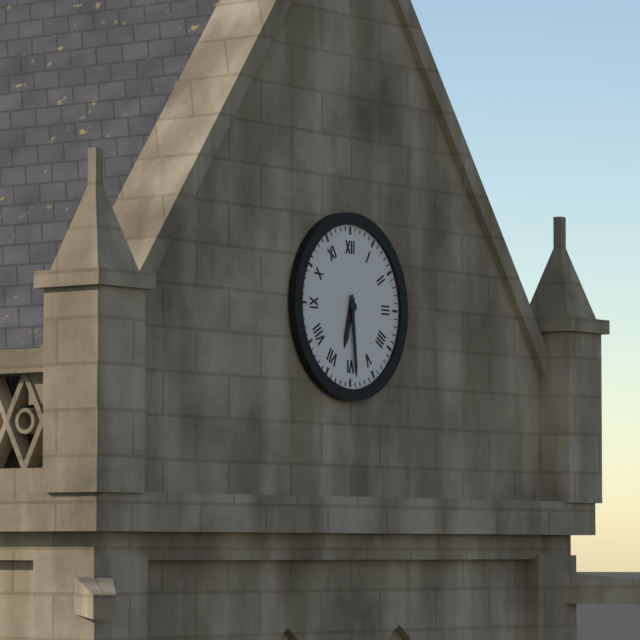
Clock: 6:29
